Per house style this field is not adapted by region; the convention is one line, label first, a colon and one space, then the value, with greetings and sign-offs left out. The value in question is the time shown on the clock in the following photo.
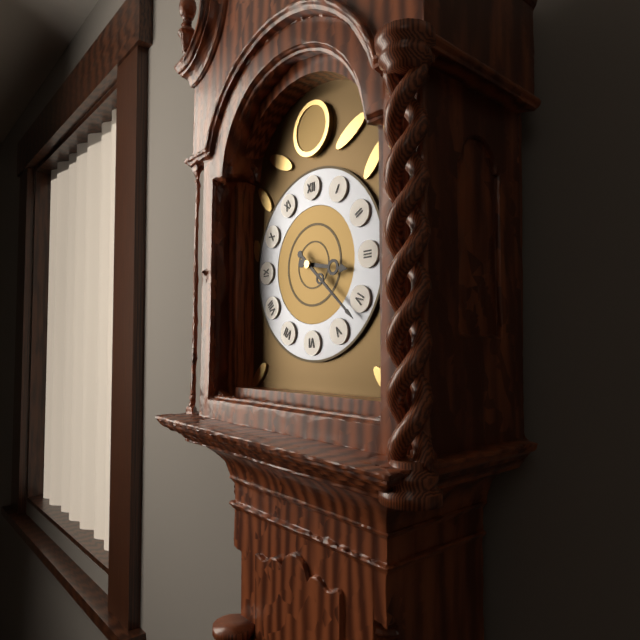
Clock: 3:22
